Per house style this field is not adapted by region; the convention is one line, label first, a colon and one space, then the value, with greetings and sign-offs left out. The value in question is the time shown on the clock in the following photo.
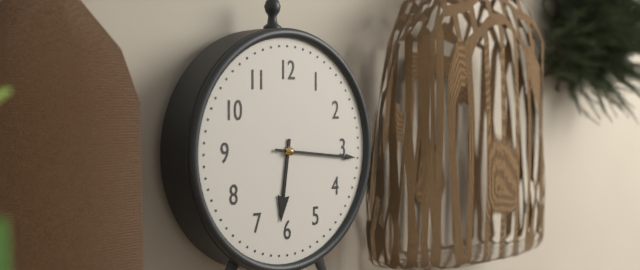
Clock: 6:16
